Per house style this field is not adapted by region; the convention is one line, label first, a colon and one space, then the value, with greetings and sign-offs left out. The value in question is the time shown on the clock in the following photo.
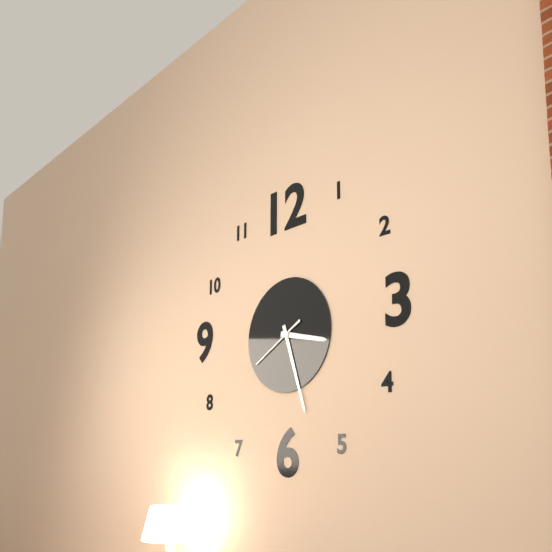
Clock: 3:27:40
